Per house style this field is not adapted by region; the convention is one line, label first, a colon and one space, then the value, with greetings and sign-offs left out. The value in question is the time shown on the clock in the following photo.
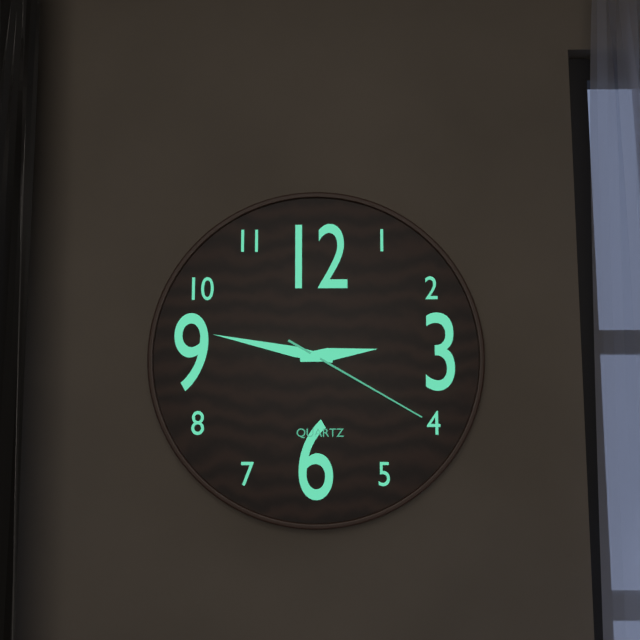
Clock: 2:47:20
